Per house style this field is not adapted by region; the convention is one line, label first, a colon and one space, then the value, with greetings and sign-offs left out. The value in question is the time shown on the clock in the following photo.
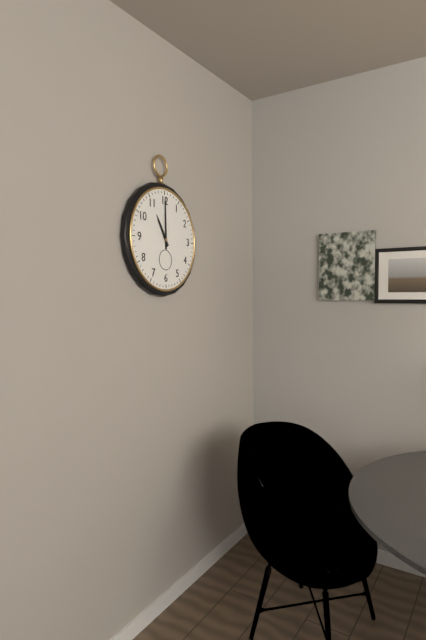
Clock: 11:00
